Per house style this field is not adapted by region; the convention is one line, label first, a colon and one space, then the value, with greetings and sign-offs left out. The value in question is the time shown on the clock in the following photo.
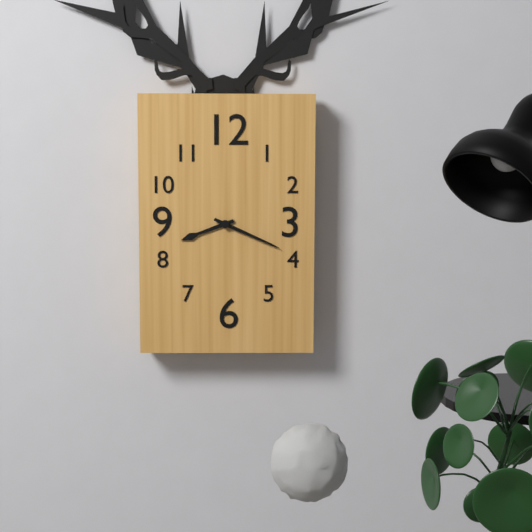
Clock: 8:19
